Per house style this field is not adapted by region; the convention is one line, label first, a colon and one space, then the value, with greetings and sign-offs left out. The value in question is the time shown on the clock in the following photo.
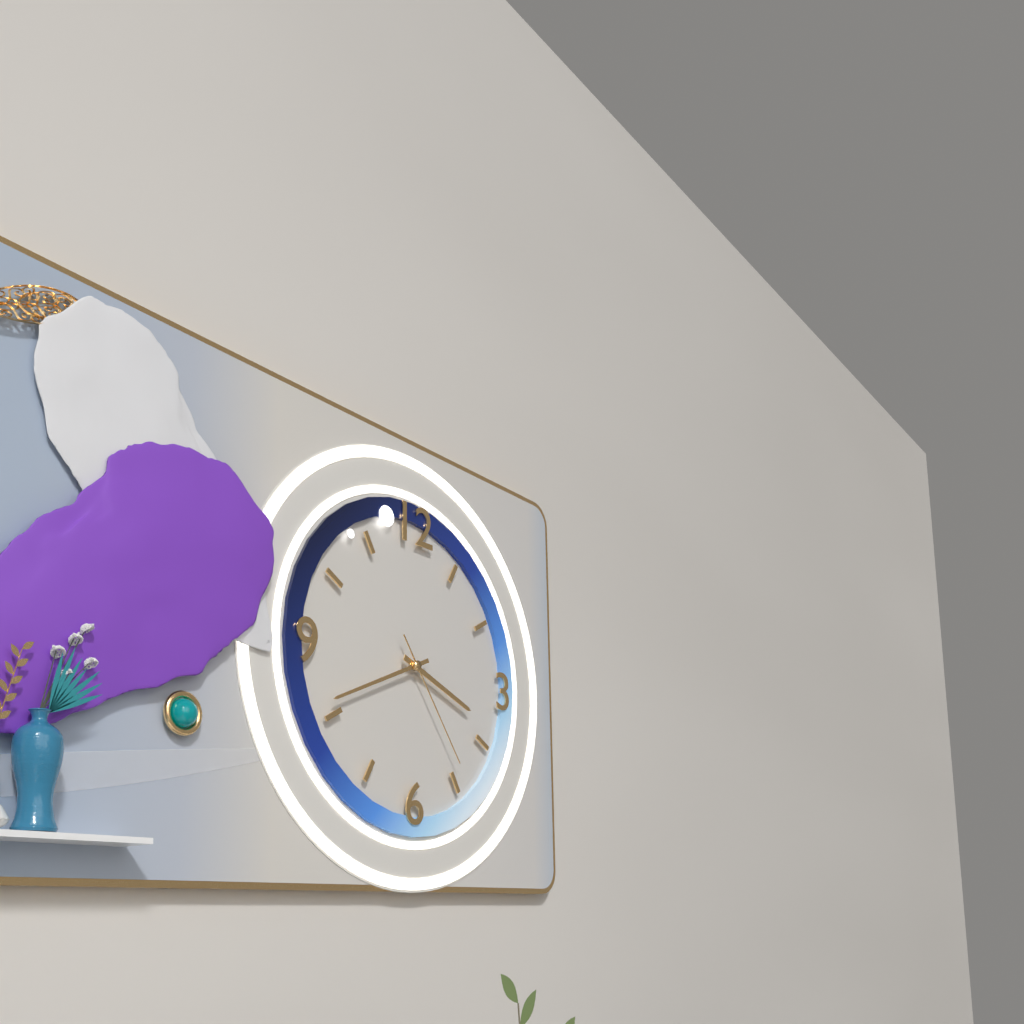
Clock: 3:41:24
